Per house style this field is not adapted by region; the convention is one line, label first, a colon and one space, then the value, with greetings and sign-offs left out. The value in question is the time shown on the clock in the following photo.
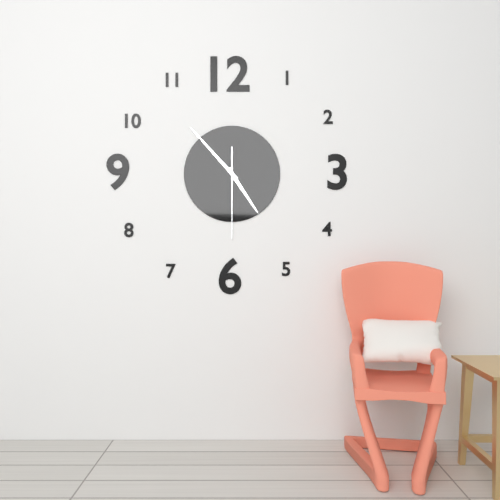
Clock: 4:53:30
